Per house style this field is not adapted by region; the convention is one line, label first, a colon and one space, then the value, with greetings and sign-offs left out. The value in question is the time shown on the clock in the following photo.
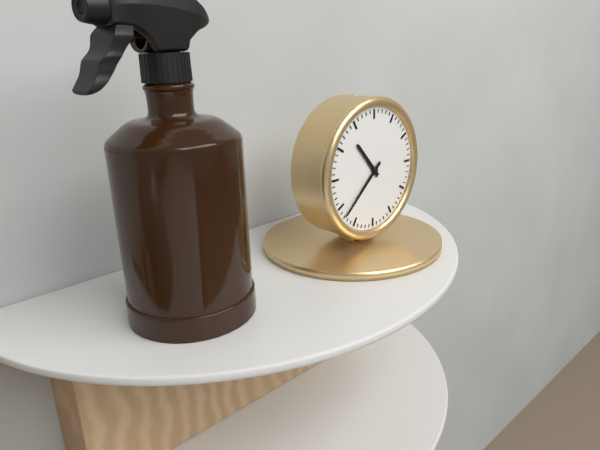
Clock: 10:38
